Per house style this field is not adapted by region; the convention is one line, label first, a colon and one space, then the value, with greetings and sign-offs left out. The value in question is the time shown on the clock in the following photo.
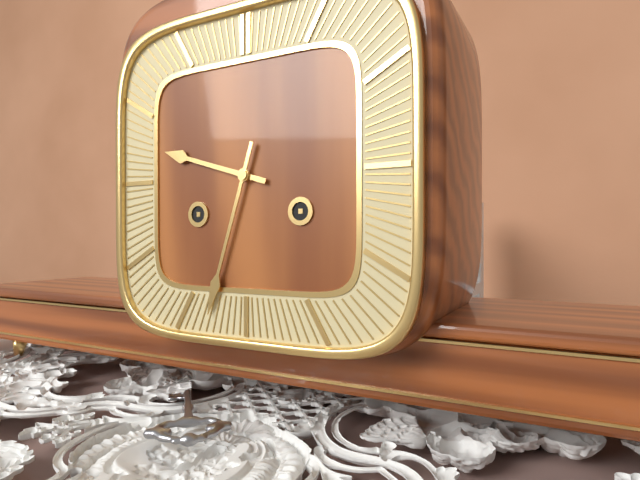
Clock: 9:33
